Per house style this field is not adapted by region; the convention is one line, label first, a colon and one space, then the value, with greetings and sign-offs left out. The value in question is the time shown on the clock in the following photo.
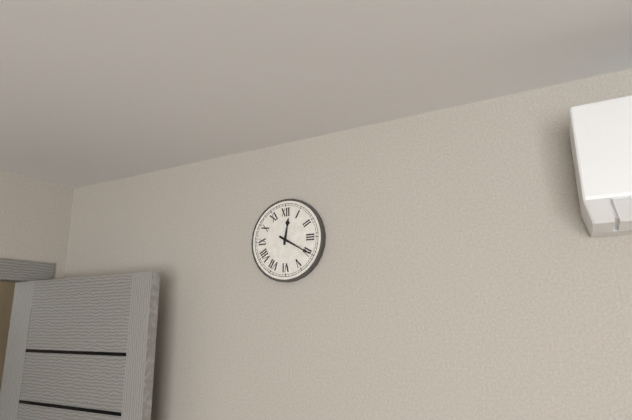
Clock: 12:20
